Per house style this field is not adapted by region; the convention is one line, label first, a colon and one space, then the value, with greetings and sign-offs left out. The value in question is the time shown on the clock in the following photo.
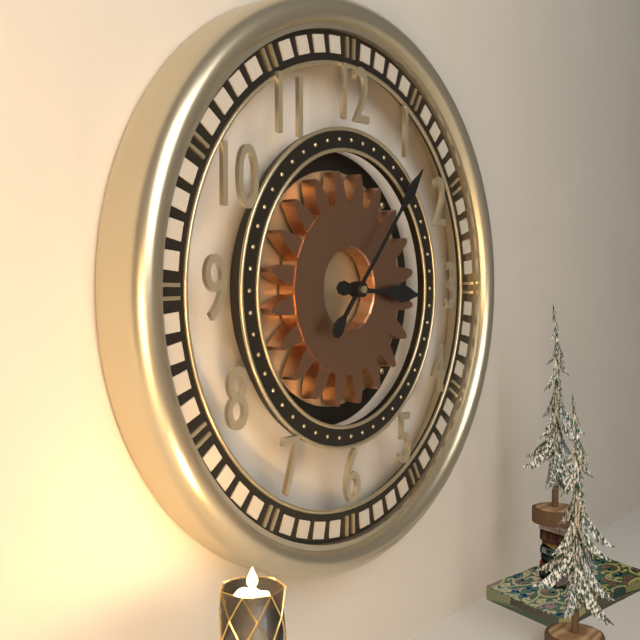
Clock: 3:07
